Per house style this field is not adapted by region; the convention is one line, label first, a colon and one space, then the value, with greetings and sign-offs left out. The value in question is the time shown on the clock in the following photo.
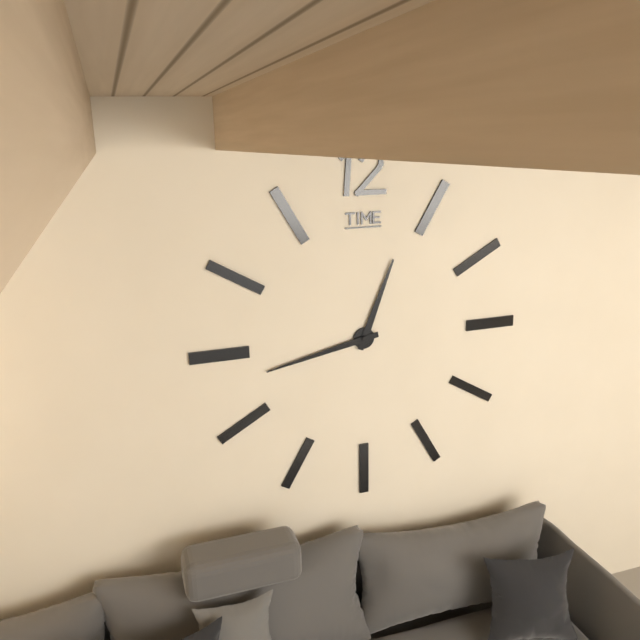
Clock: 12:43
